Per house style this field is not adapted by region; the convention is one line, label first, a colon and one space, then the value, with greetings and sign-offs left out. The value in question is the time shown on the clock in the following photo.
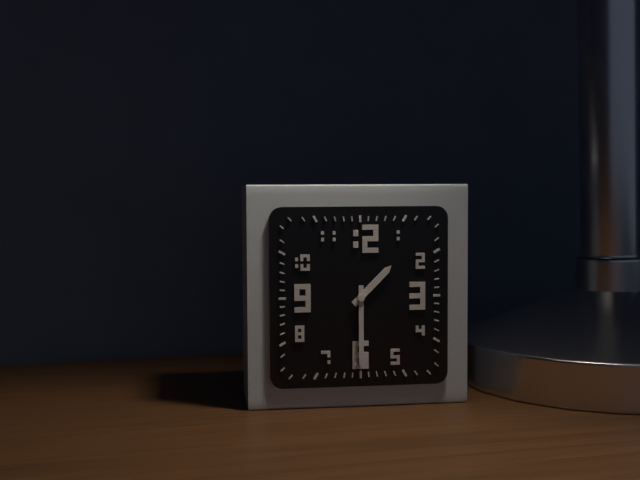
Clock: 1:30
